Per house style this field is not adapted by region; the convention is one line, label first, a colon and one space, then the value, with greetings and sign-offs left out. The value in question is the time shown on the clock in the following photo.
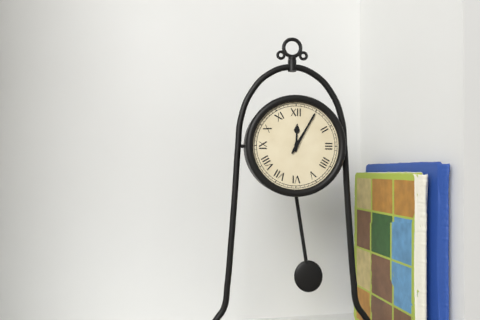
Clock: 12:05
